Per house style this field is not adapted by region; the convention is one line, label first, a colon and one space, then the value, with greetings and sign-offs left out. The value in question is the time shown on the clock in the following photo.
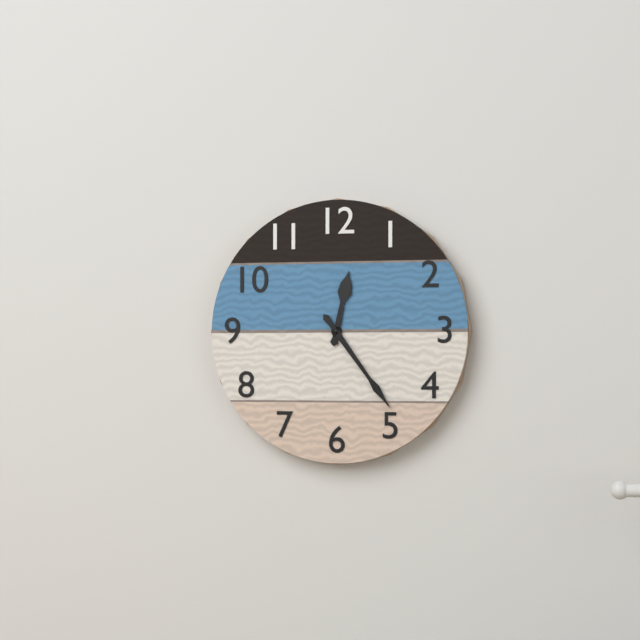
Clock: 12:24
